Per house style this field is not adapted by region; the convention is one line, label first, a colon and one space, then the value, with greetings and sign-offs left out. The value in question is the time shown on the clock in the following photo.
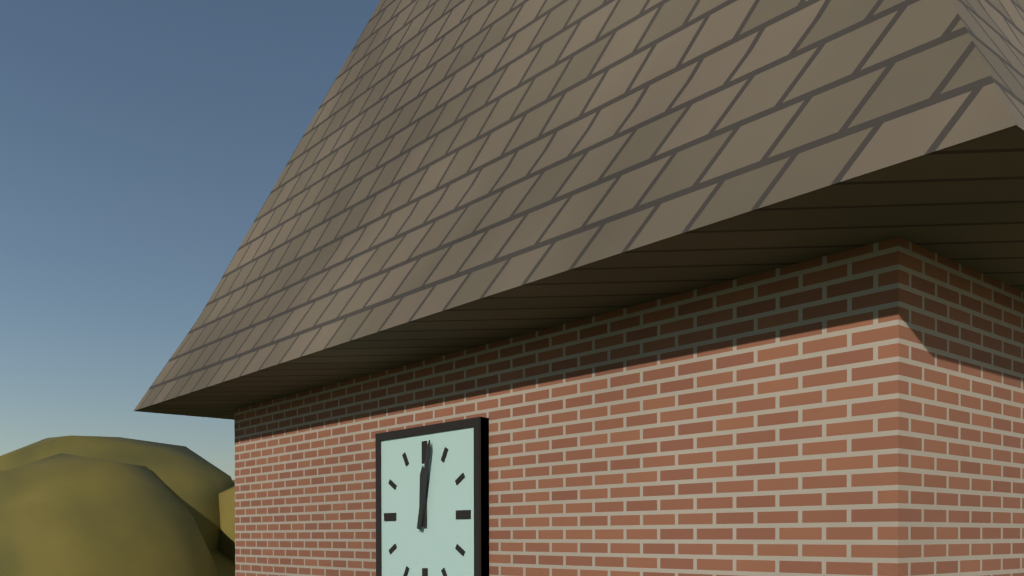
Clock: 12:02
